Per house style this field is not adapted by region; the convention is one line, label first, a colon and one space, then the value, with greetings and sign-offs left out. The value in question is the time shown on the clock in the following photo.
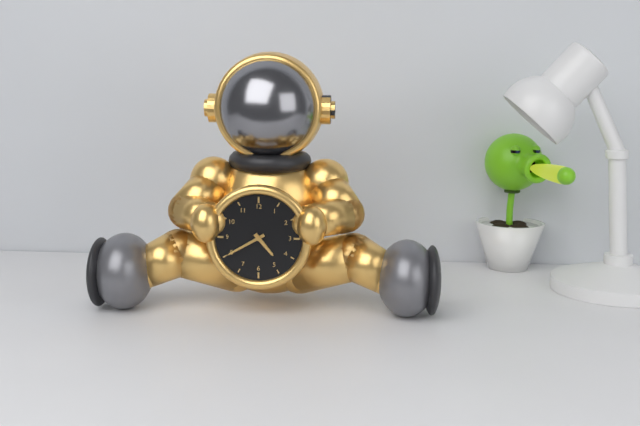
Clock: 4:40
